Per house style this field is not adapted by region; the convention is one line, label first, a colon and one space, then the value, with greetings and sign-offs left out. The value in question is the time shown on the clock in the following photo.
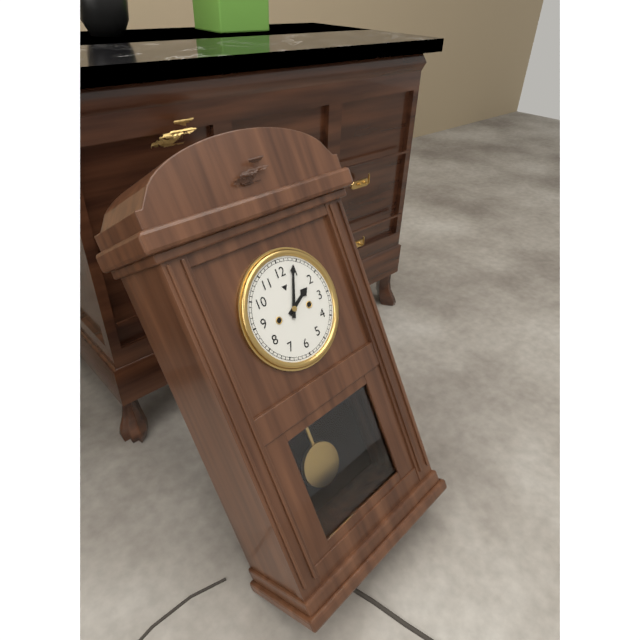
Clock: 2:04
